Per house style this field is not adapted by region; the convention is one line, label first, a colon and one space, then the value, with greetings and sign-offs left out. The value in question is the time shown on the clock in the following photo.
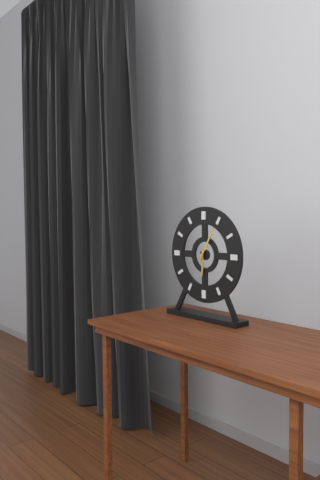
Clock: 6:05
